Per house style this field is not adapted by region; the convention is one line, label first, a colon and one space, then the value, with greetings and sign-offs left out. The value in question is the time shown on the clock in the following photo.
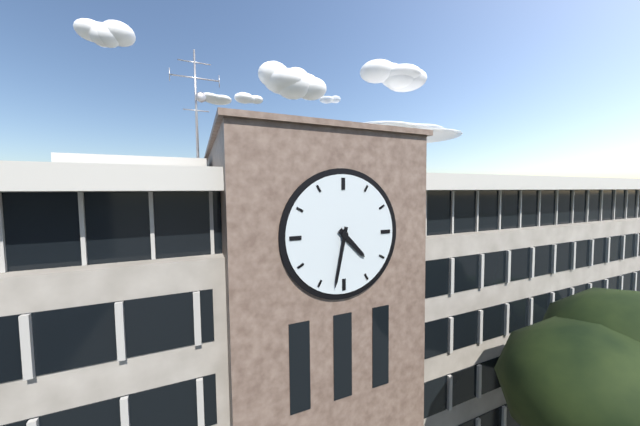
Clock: 4:32
